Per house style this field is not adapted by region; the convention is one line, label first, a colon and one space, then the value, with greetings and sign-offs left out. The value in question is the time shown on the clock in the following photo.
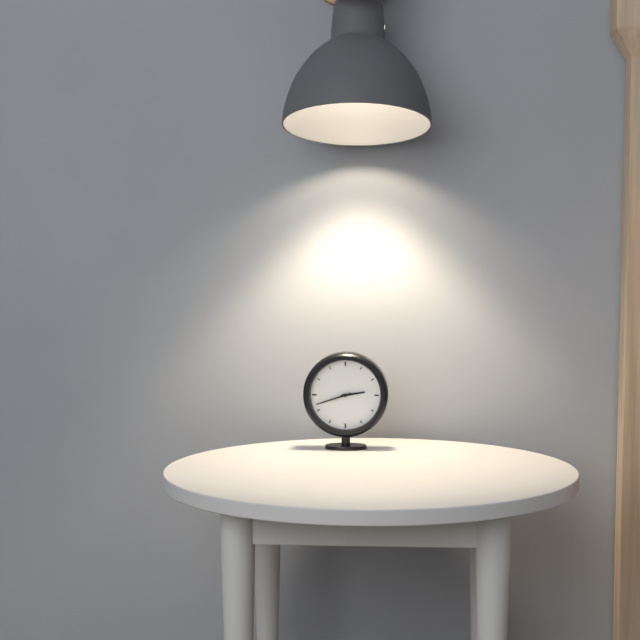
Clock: 2:42
